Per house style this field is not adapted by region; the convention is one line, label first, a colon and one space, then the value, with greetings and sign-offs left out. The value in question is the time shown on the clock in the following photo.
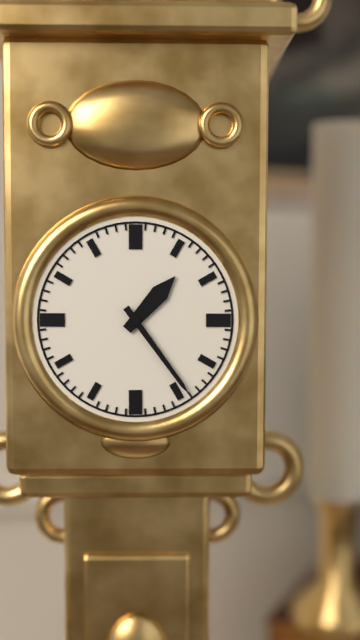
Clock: 1:24
